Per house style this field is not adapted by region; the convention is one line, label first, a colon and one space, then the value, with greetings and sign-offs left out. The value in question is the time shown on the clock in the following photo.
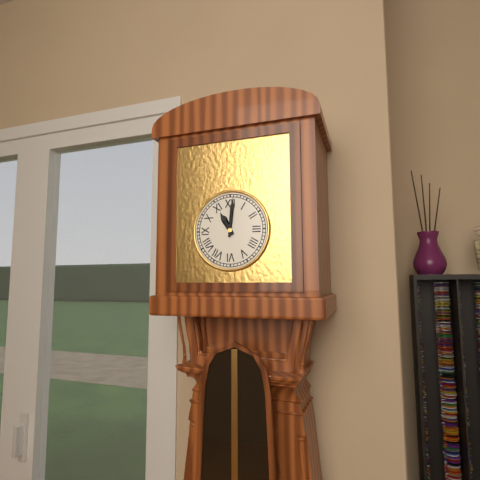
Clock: 11:01
